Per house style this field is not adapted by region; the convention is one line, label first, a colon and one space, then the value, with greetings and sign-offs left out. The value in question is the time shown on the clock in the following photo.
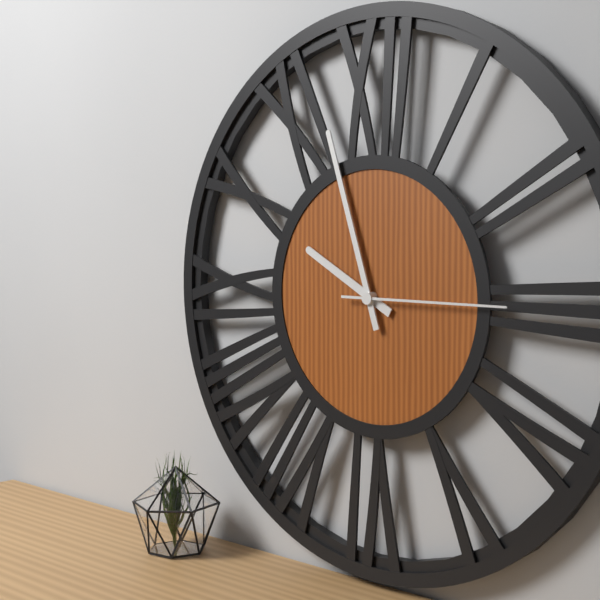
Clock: 9:57:15
